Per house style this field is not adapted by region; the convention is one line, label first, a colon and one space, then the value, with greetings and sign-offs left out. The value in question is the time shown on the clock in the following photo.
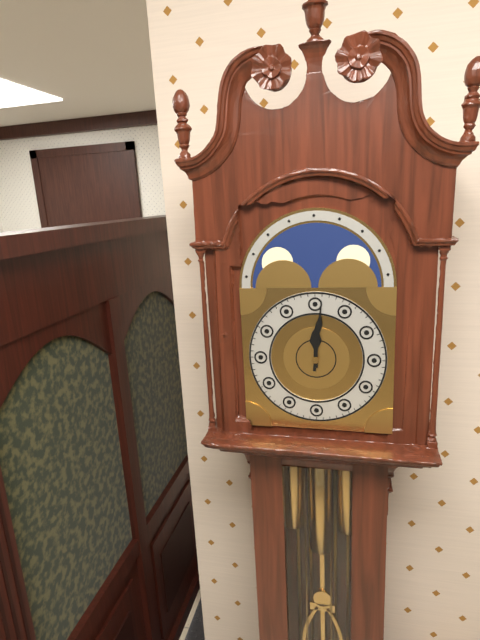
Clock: 12:01
